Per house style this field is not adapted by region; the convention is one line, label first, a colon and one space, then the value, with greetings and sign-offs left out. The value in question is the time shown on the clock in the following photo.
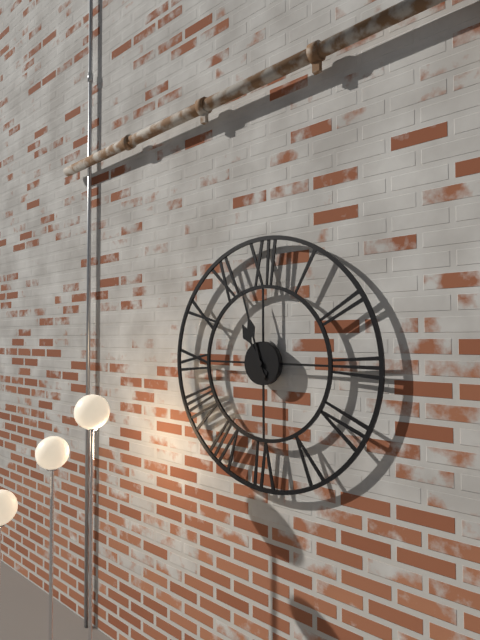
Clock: 10:57
